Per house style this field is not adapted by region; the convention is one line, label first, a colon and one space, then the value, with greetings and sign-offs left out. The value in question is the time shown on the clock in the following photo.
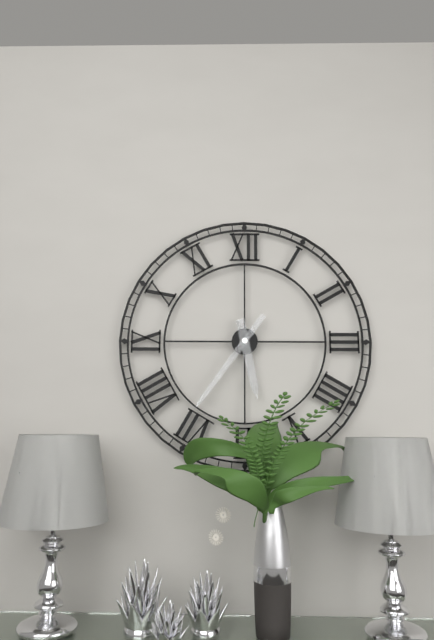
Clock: 5:36
